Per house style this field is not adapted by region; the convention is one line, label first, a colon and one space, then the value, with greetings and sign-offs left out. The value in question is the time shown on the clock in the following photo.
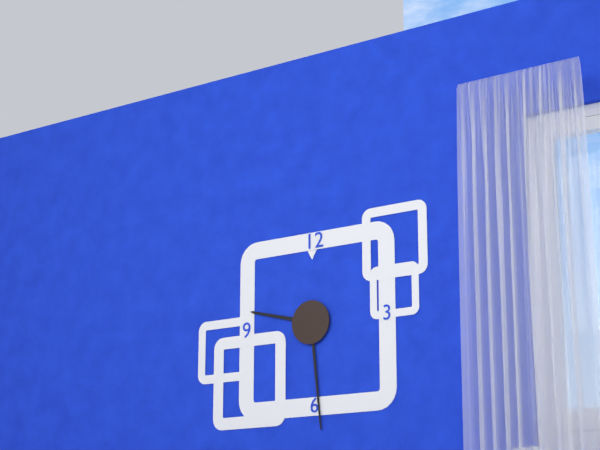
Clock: 9:29
